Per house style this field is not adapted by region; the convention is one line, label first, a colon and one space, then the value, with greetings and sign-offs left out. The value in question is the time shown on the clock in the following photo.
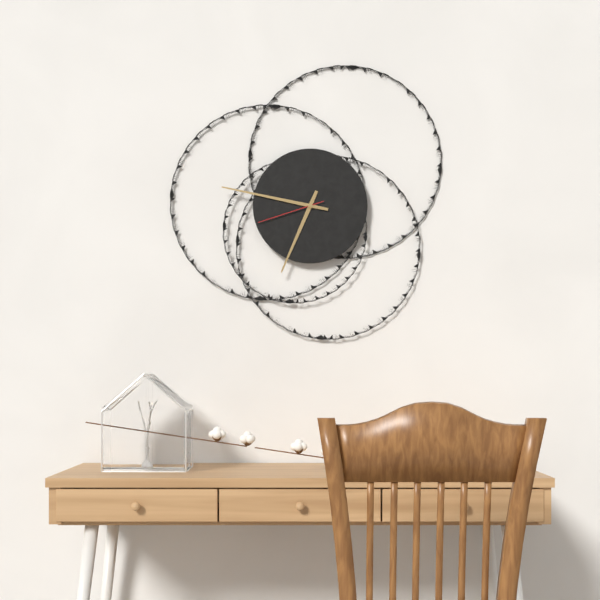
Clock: 6:47:42
